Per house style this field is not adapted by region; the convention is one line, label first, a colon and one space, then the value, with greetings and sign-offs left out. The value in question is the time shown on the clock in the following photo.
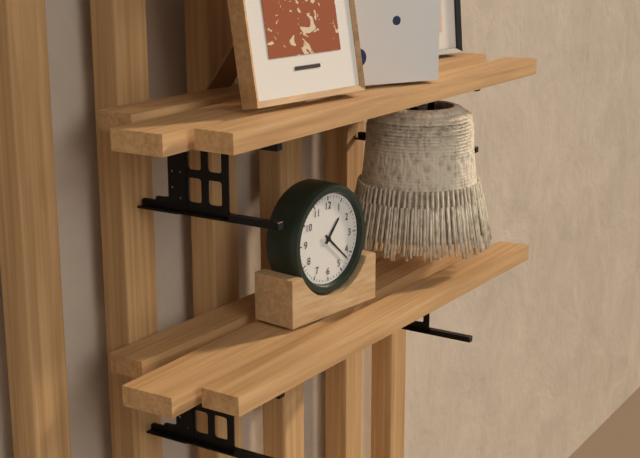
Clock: 1:22
